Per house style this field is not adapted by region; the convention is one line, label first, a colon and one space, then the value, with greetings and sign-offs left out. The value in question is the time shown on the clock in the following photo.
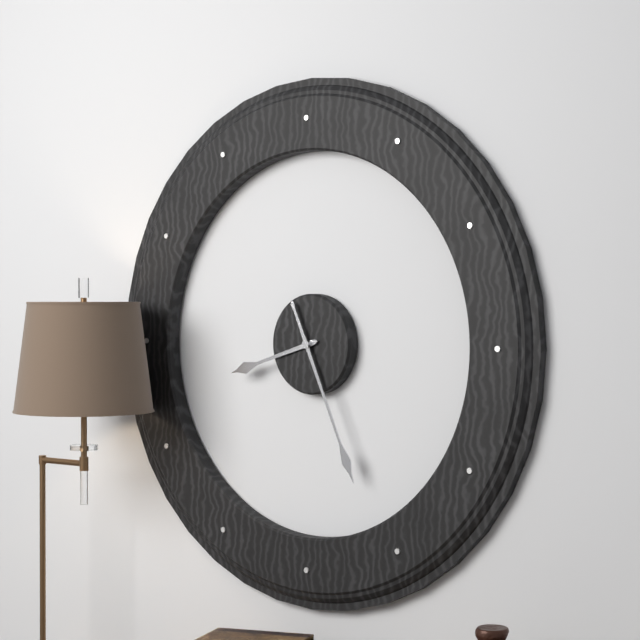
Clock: 8:26
